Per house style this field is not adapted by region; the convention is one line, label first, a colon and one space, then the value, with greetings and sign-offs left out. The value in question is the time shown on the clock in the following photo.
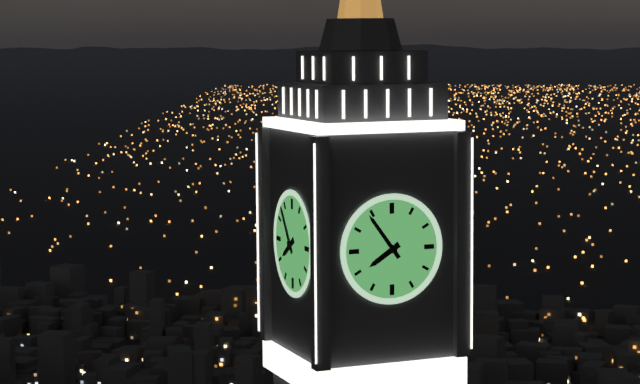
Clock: 7:54
